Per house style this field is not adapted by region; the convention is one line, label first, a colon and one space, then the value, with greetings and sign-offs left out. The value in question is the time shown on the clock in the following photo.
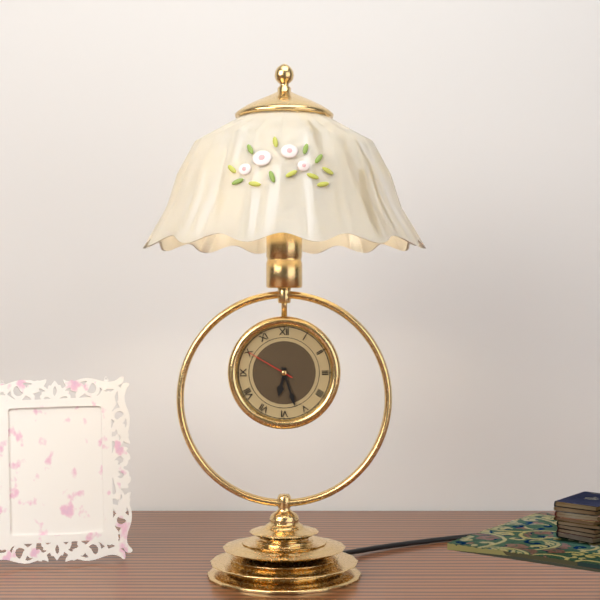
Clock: 6:27:50
